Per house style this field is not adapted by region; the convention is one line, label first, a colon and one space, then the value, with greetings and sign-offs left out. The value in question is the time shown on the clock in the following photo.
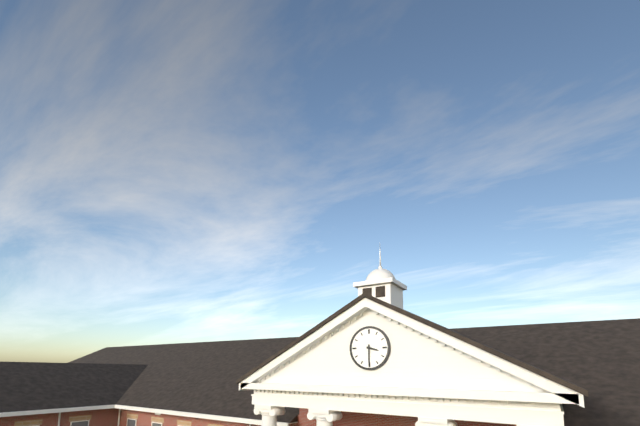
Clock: 3:30
